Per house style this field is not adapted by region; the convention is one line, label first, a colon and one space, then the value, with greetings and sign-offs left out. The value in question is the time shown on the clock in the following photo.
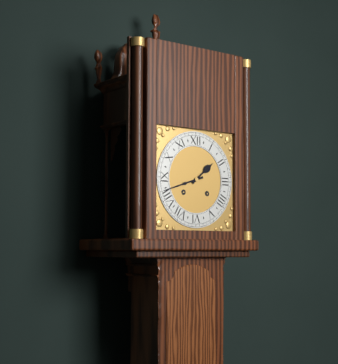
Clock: 1:42
